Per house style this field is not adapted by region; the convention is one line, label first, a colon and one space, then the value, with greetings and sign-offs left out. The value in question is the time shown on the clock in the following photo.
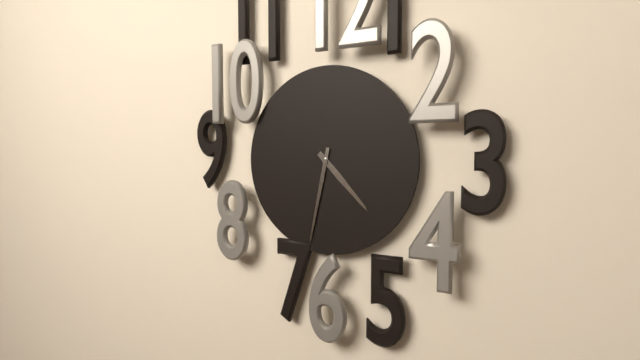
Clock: 4:32
